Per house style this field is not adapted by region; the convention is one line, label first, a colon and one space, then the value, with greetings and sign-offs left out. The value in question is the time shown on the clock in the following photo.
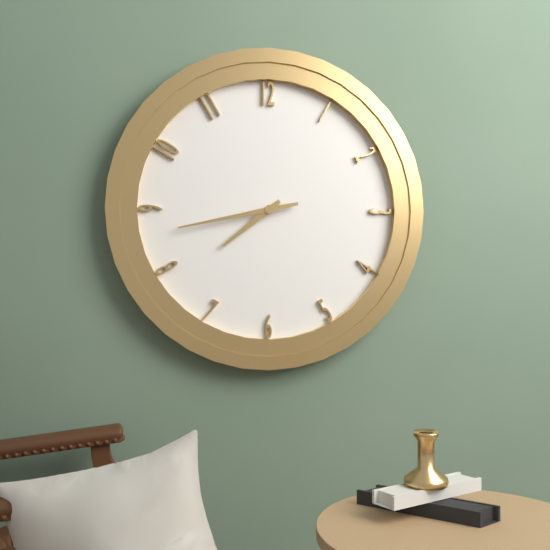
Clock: 7:43
